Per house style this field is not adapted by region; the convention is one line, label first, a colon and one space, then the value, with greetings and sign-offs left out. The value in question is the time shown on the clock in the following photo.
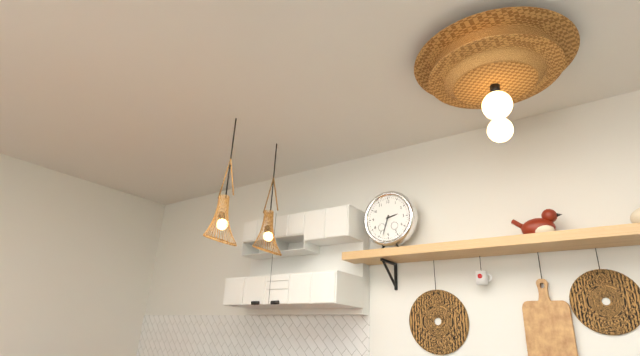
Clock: 2:33
